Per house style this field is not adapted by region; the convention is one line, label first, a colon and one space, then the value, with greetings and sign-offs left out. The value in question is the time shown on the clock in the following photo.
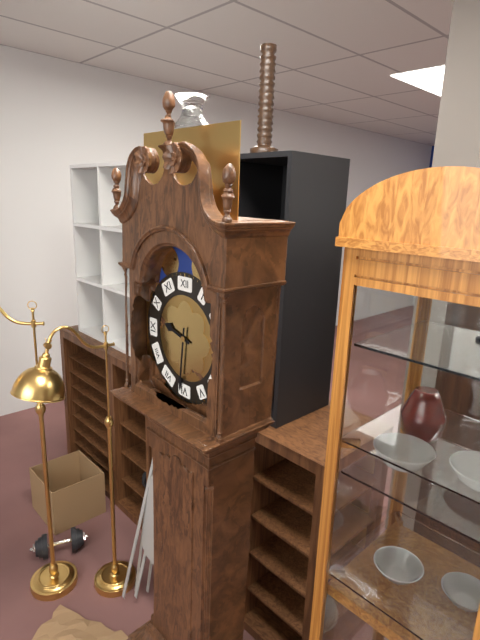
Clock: 9:31
